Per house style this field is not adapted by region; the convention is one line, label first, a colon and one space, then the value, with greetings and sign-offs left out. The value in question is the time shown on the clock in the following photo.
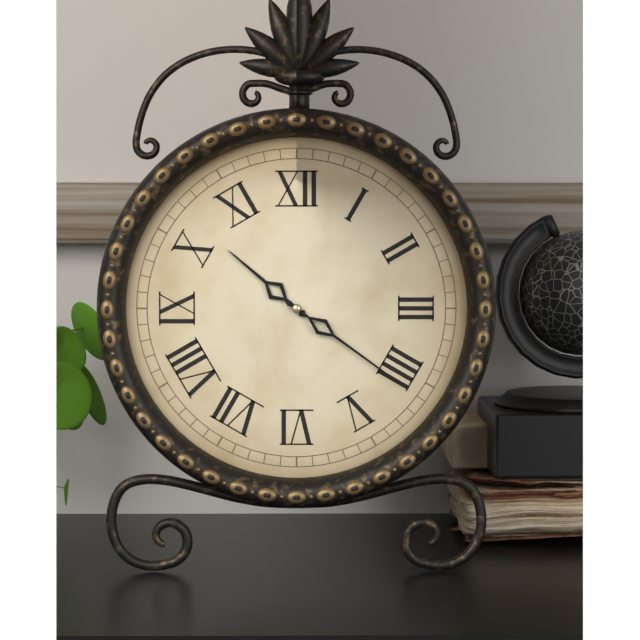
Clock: 10:21
